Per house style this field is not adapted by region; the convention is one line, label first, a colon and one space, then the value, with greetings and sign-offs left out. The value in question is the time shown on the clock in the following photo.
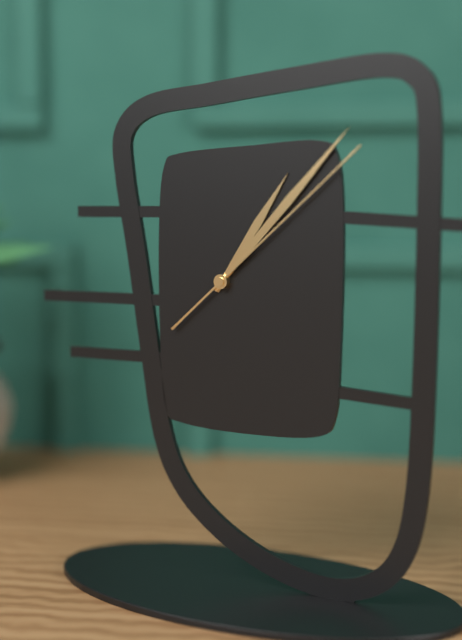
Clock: 1:07:08
